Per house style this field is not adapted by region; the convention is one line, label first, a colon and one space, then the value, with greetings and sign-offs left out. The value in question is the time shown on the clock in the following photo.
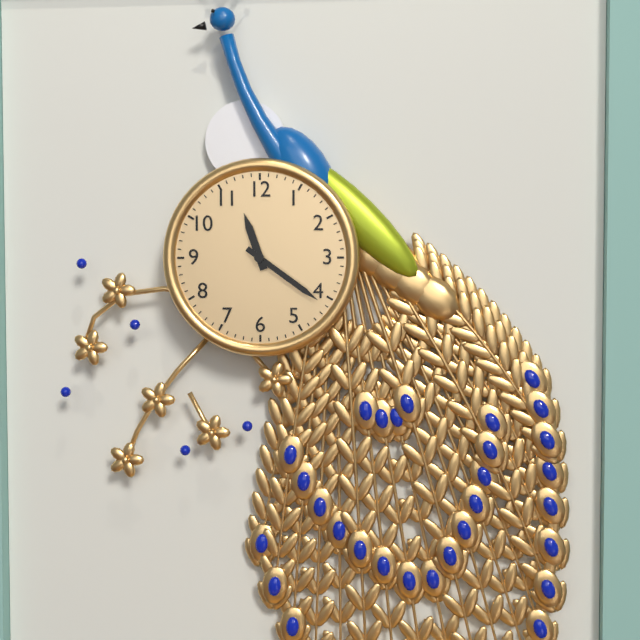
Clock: 11:21
